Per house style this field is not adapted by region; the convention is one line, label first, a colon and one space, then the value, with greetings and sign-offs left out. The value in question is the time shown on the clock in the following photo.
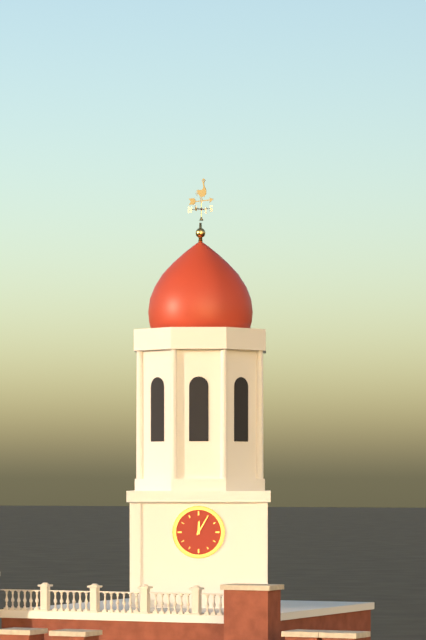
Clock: 12:05
